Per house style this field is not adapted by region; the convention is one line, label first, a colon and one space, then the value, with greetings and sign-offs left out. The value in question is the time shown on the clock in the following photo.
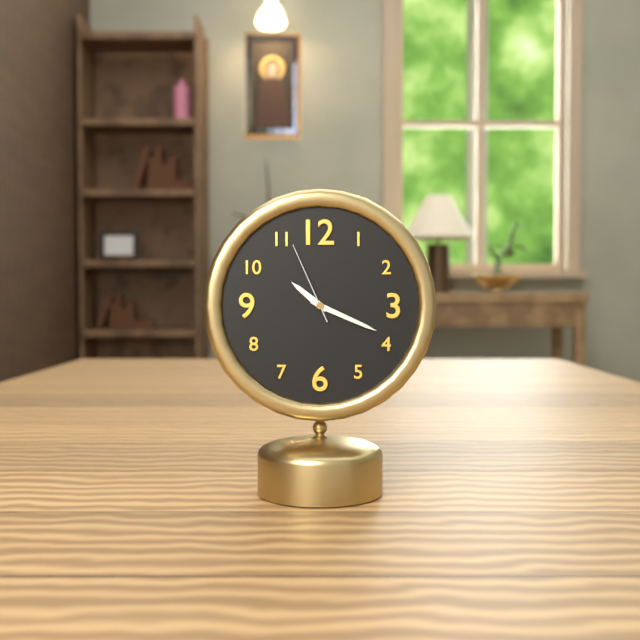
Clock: 10:19:56
